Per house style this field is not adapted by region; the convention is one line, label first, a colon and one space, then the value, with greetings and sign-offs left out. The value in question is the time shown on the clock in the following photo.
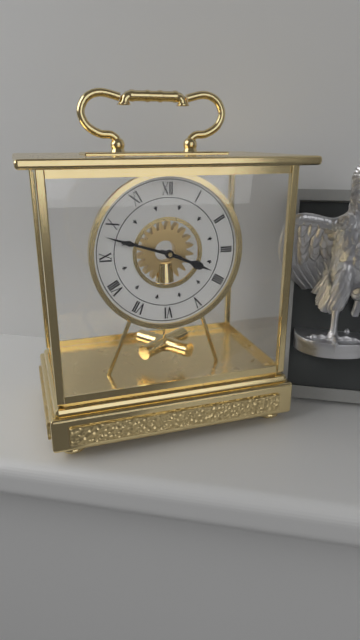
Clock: 3:48
